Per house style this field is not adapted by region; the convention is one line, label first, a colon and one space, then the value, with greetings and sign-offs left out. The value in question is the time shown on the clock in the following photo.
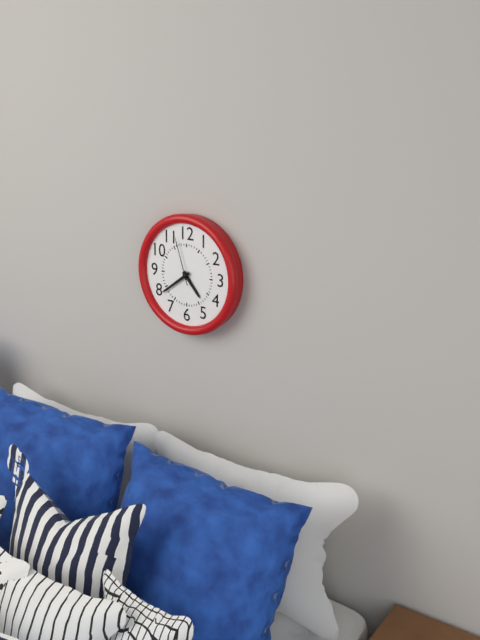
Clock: 4:39:57
